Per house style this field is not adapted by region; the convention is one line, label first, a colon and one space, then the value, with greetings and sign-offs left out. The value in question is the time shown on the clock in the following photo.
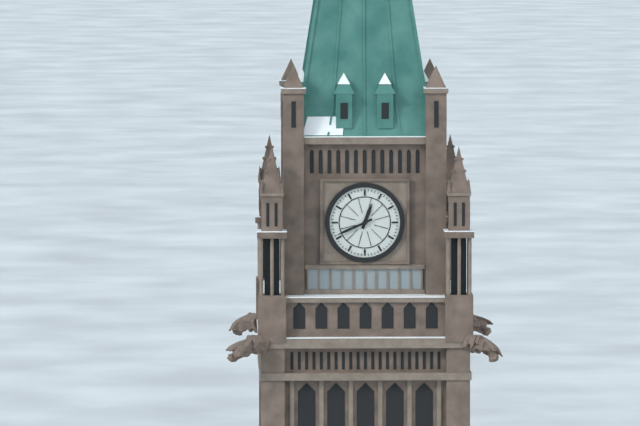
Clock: 12:41
